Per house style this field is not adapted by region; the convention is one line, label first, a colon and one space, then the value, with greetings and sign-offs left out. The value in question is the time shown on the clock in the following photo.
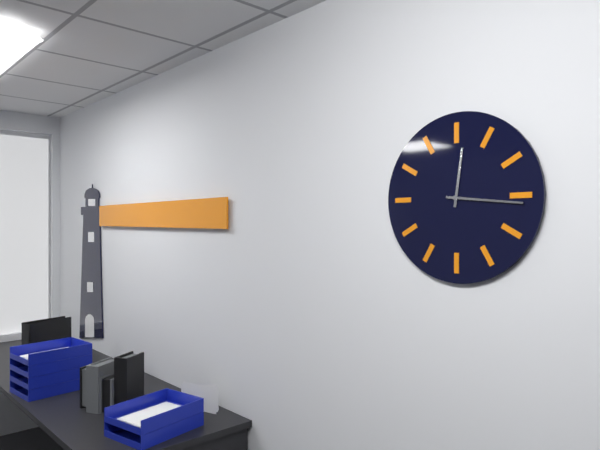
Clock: 12:16
